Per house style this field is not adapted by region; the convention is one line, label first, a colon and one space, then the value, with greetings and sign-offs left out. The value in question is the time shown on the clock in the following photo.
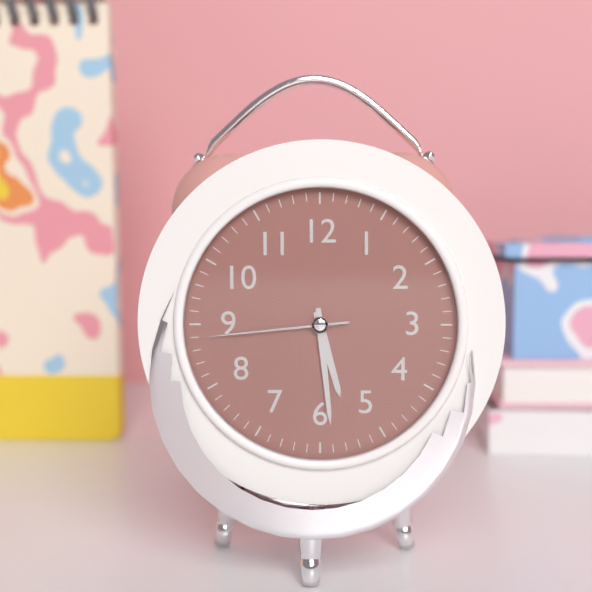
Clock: 5:29:44
